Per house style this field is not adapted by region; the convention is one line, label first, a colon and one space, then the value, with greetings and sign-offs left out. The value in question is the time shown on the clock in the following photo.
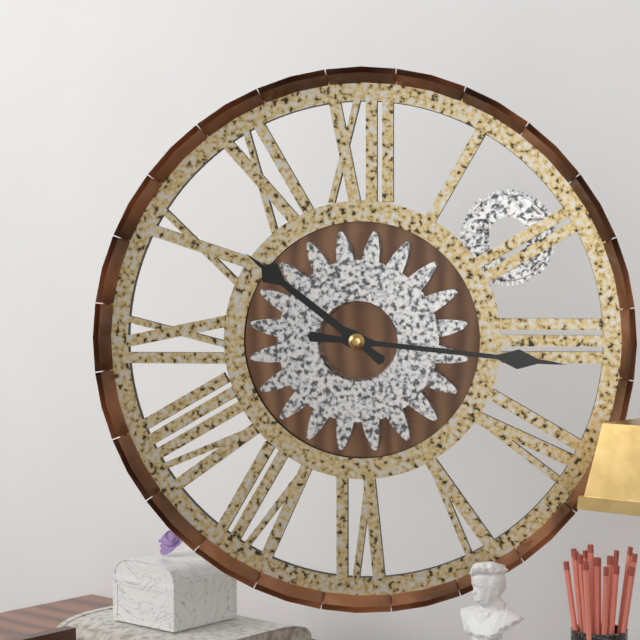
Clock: 10:16
